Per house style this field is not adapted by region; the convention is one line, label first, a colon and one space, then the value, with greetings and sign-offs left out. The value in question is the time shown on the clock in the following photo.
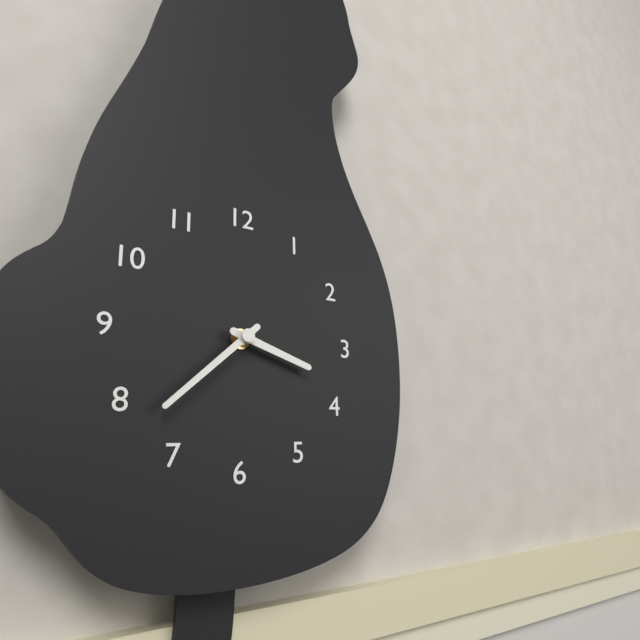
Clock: 3:38
